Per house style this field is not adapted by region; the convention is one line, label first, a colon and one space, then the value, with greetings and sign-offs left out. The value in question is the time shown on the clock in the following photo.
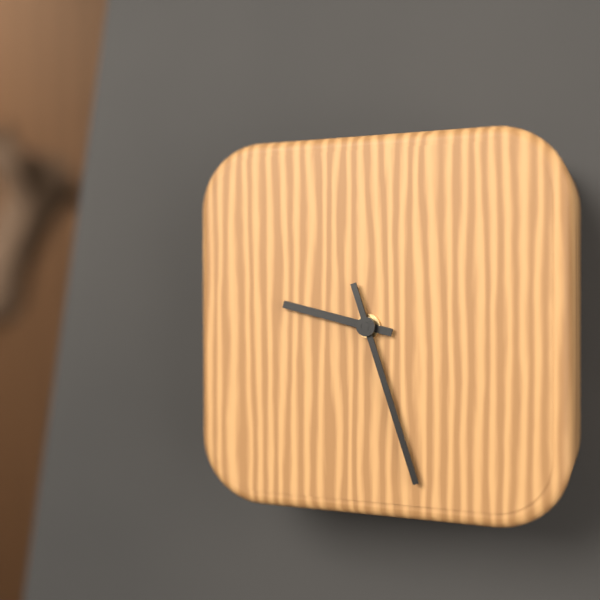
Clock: 9:27
